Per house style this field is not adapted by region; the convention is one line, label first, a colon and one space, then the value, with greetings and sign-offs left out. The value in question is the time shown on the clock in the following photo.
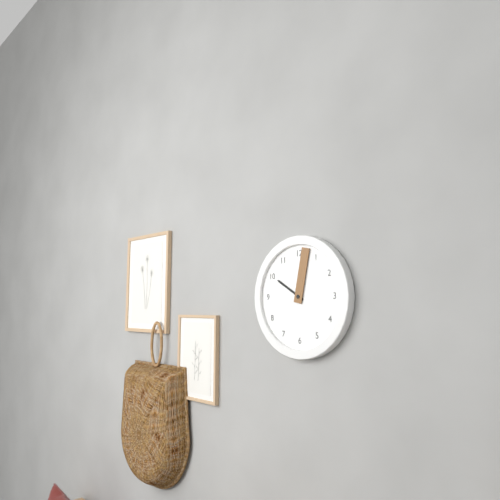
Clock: 10:02
